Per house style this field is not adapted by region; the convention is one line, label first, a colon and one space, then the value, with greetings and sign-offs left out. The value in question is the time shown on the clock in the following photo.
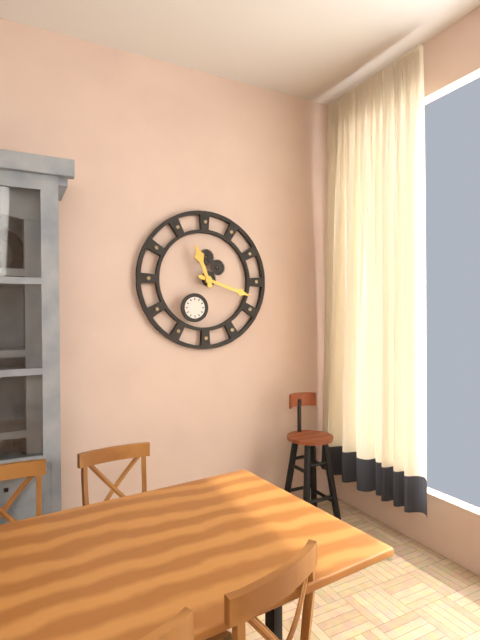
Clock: 11:18
